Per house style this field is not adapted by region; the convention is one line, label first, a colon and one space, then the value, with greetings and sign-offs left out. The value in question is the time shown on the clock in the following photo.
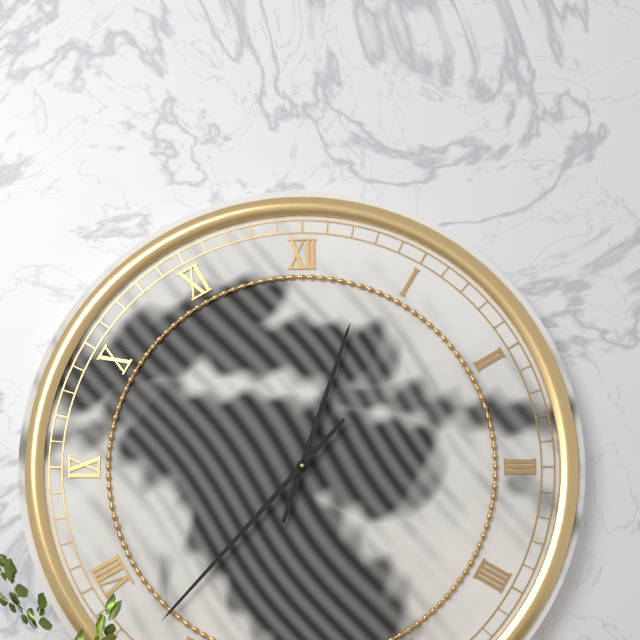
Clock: 12:37
